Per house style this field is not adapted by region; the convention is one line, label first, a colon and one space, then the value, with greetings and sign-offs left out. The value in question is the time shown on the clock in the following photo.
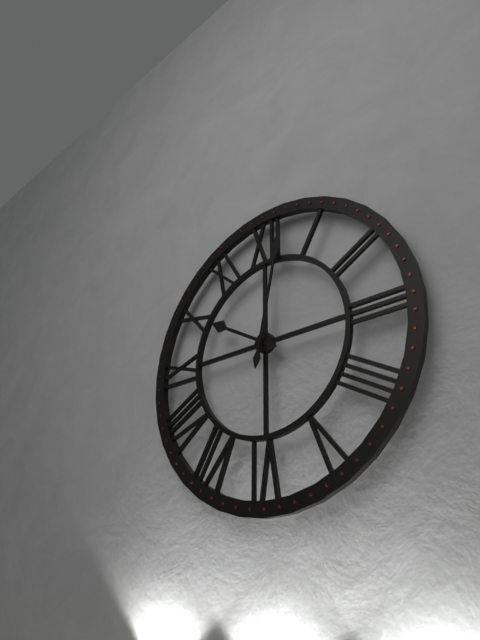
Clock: 10:02
